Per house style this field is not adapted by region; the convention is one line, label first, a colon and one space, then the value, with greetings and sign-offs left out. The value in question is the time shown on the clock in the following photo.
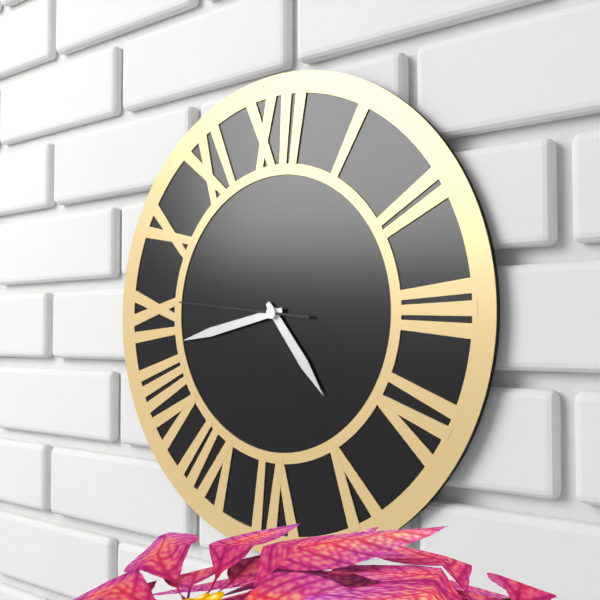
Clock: 4:43:46
